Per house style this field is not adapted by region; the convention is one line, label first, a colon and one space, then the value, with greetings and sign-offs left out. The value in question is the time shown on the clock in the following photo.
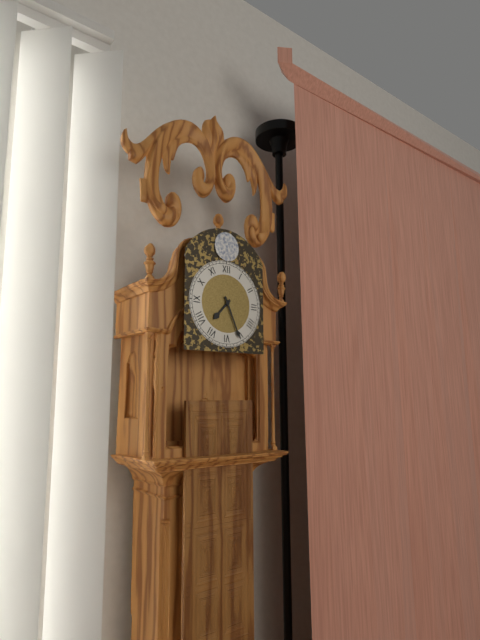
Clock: 7:26
